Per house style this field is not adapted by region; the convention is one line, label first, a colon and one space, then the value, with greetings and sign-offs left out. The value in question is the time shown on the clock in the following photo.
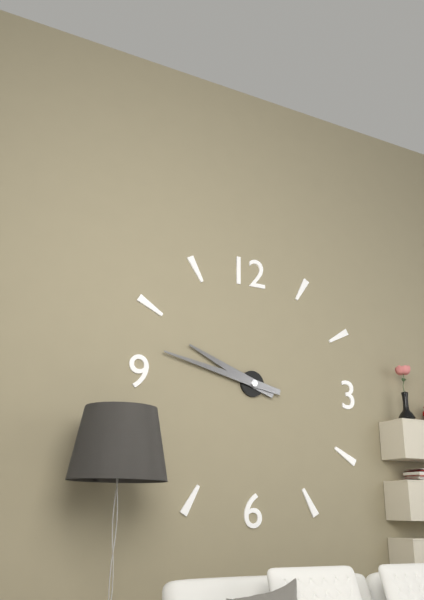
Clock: 9:47
